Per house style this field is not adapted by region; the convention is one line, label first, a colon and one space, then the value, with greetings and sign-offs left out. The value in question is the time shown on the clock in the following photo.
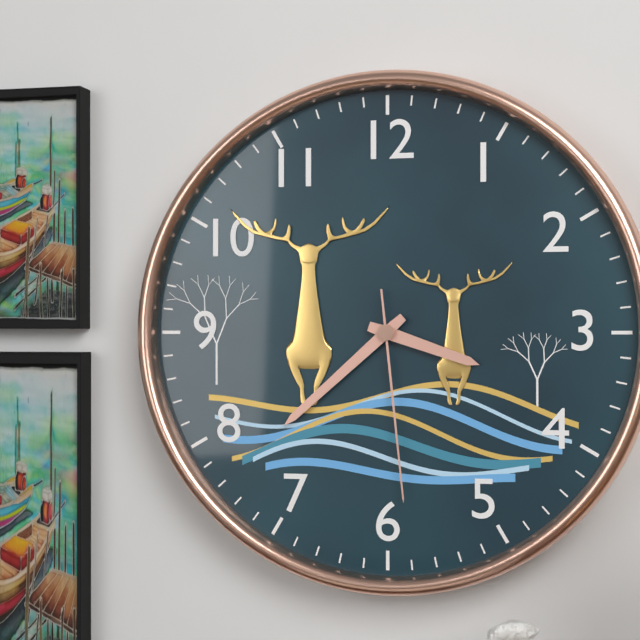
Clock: 3:38:29
